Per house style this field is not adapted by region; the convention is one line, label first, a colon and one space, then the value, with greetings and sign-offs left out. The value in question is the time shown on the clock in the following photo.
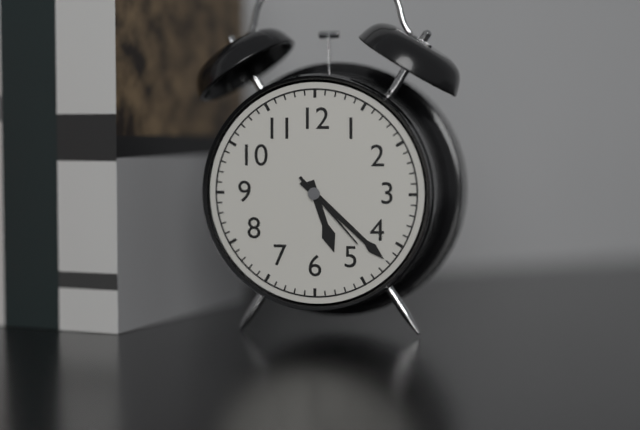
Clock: 5:22:23
